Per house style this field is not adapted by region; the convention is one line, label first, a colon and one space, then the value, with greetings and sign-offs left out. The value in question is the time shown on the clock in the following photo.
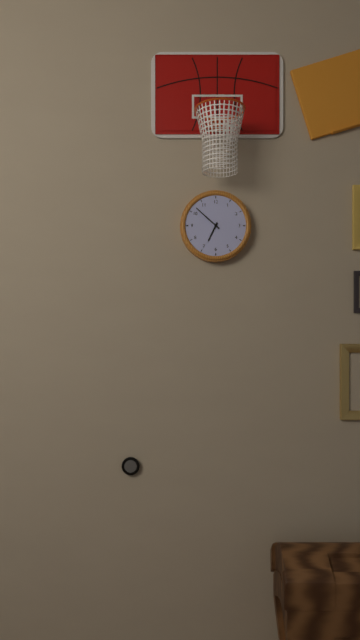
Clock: 6:52
